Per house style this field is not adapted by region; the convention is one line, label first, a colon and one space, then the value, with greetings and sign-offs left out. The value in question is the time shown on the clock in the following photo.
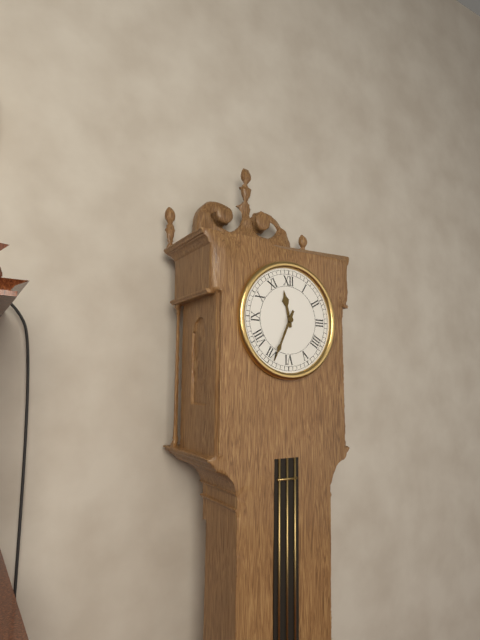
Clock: 11:34
